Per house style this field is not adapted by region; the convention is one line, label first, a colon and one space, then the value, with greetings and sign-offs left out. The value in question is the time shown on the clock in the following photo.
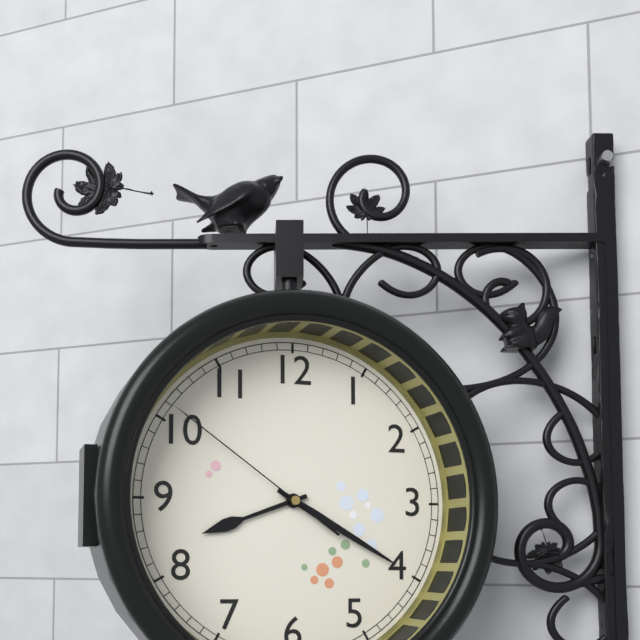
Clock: 8:20:51
